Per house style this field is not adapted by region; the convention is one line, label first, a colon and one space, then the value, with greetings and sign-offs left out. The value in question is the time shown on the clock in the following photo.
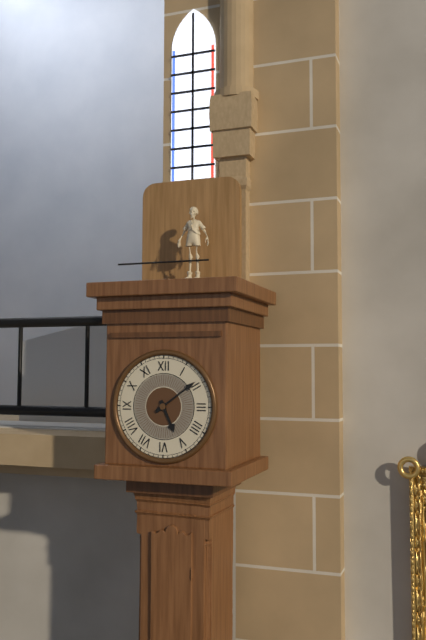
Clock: 5:09
